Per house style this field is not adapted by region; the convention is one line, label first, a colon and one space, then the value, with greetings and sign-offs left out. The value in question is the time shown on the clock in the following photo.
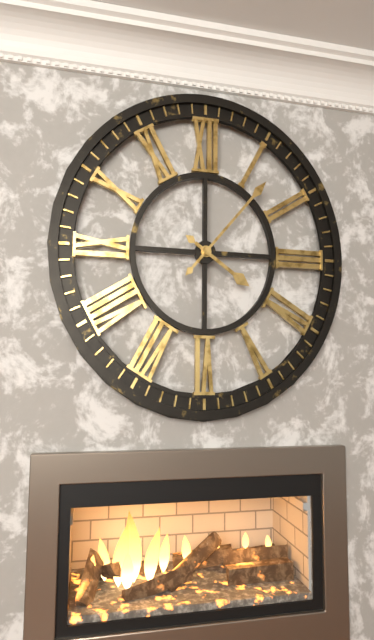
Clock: 4:07
